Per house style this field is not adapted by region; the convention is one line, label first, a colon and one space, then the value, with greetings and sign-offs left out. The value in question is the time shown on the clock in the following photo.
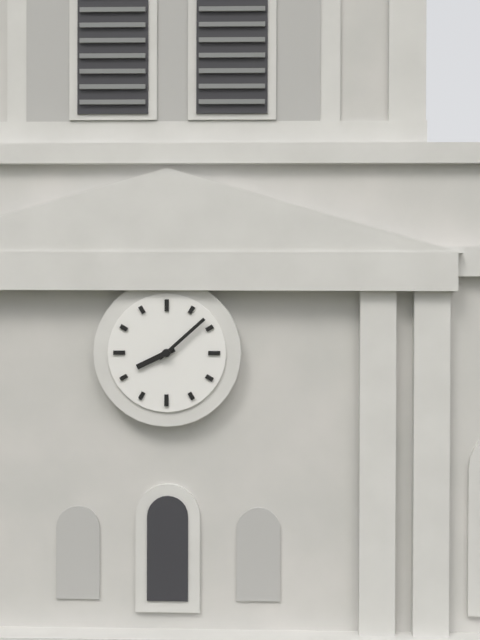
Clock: 8:08
